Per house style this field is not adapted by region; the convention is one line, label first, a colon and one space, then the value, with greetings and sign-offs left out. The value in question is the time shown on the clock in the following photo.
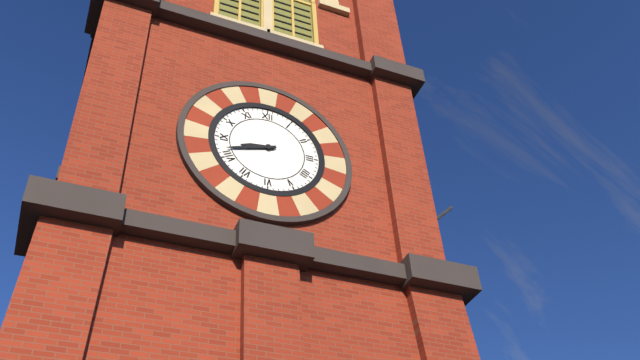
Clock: 8:42
